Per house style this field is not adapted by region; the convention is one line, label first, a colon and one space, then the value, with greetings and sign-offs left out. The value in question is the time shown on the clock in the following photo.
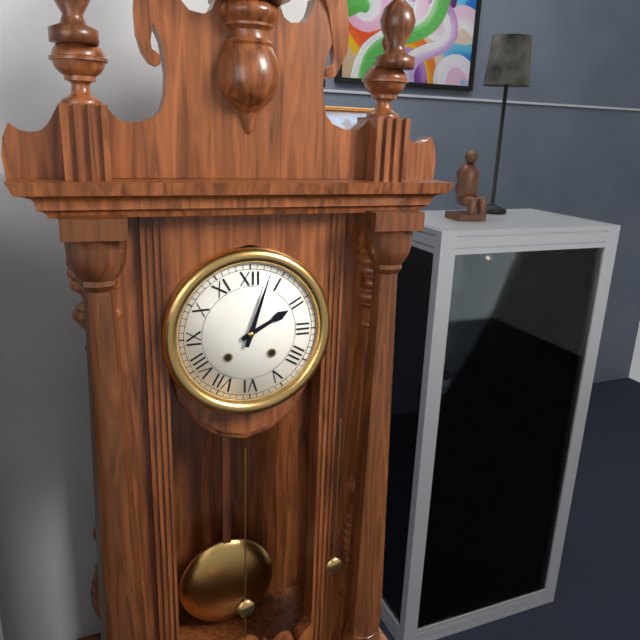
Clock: 2:03
